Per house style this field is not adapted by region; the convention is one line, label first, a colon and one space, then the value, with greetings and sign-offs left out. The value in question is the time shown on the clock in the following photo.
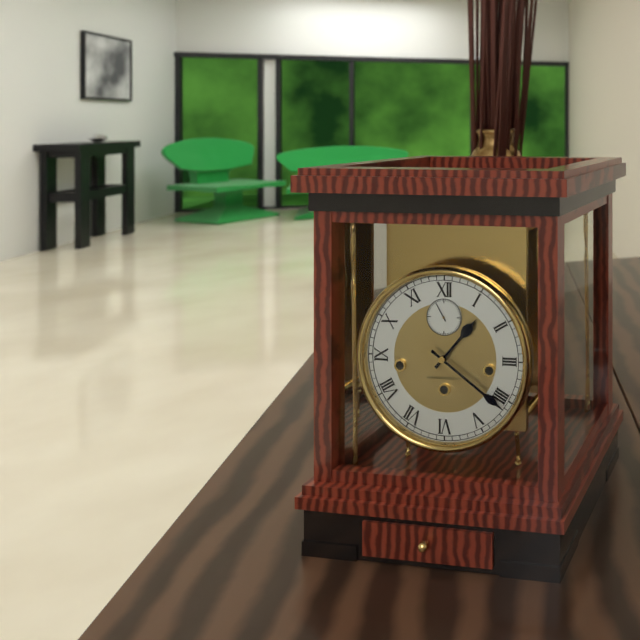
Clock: 1:21
